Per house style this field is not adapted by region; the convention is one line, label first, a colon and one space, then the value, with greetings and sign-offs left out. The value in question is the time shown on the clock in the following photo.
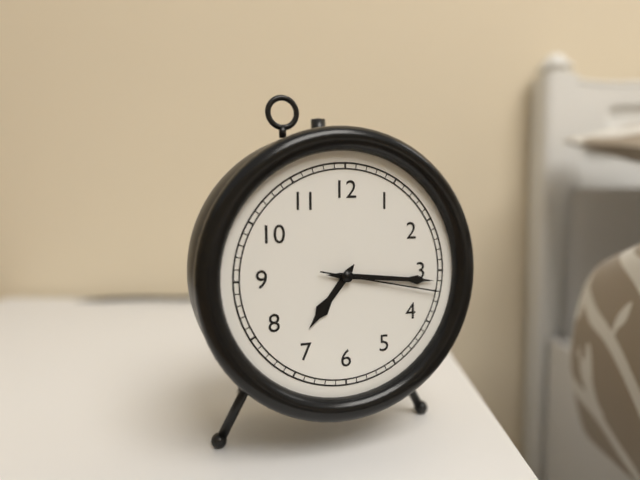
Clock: 7:16:17
